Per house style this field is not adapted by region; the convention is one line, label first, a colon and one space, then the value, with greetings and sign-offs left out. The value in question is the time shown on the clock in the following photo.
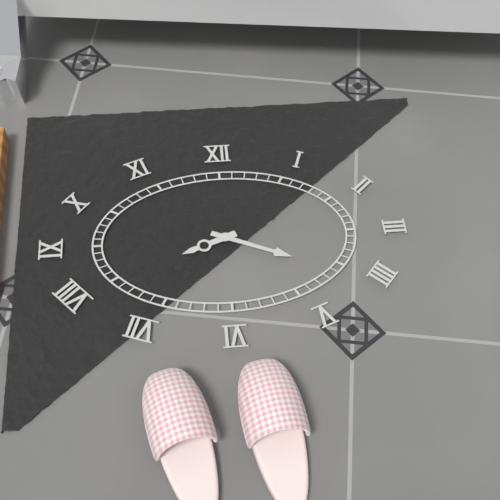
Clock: 8:19
